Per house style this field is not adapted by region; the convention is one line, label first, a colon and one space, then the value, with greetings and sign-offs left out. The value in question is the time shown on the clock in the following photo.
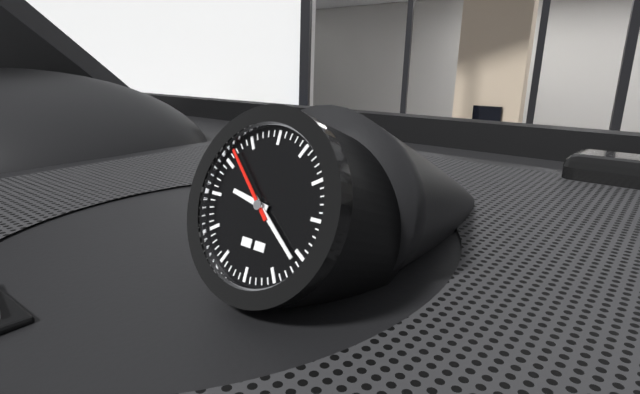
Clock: 9:21:52
